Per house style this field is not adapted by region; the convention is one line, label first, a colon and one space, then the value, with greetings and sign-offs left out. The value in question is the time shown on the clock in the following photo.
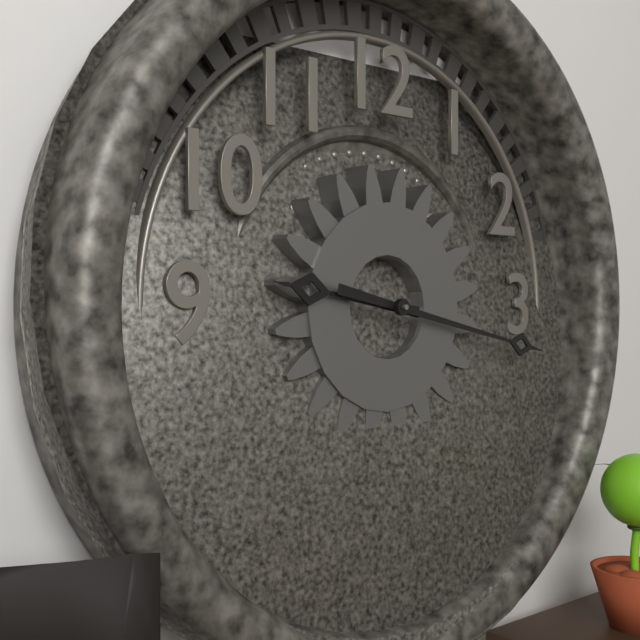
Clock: 9:17
